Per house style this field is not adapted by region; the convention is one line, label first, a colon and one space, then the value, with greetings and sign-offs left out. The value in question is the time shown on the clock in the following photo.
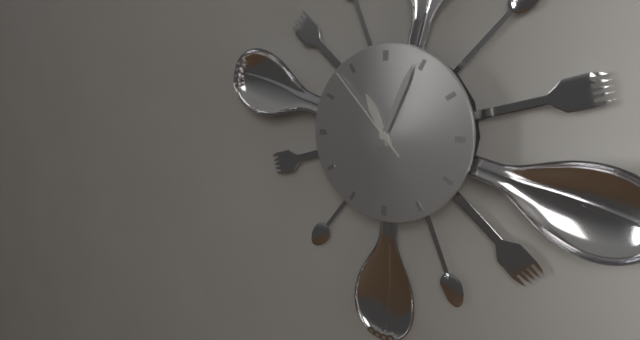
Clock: 11:04:53
